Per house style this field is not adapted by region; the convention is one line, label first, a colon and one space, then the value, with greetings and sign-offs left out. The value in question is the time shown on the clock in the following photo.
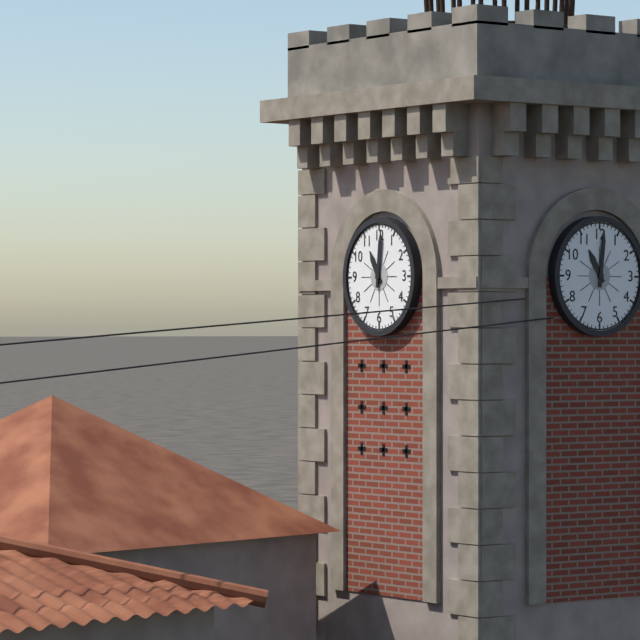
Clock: 11:01
